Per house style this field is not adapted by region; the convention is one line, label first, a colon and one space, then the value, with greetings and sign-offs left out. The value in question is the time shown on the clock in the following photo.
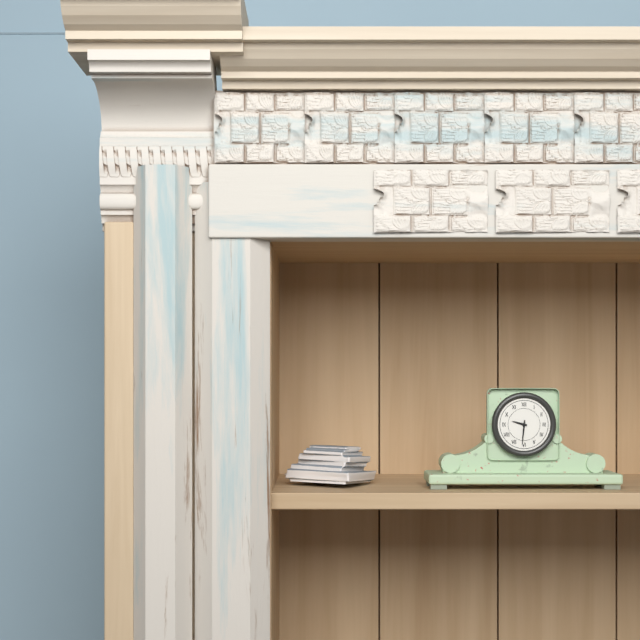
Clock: 9:31
